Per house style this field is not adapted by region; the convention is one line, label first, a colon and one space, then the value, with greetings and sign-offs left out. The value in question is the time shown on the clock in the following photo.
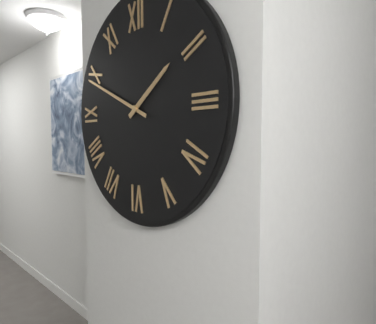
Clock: 1:49
